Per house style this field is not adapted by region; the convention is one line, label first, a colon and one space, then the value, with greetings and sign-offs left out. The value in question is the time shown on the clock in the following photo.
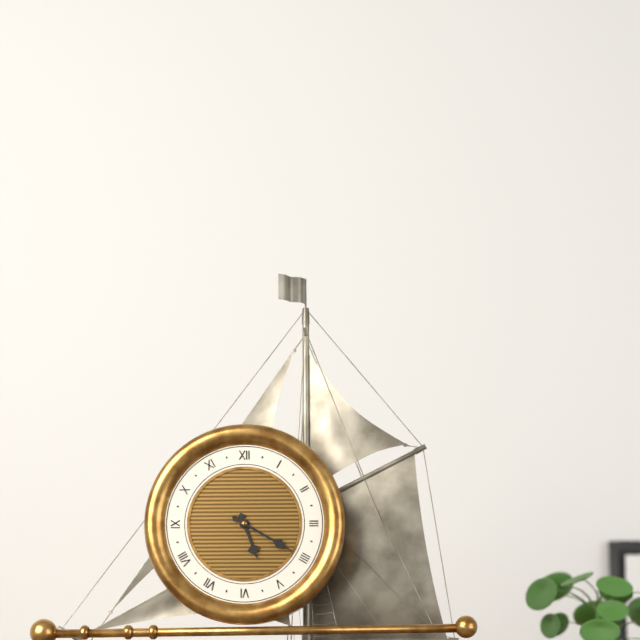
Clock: 5:20
